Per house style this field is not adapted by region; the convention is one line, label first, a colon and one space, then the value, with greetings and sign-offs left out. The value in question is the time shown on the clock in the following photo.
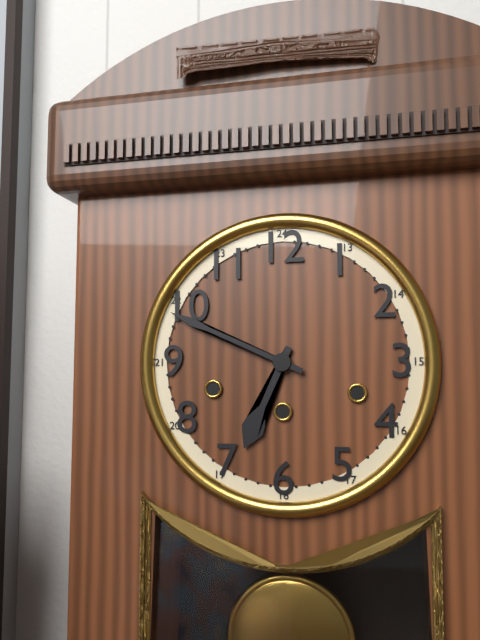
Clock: 6:49
